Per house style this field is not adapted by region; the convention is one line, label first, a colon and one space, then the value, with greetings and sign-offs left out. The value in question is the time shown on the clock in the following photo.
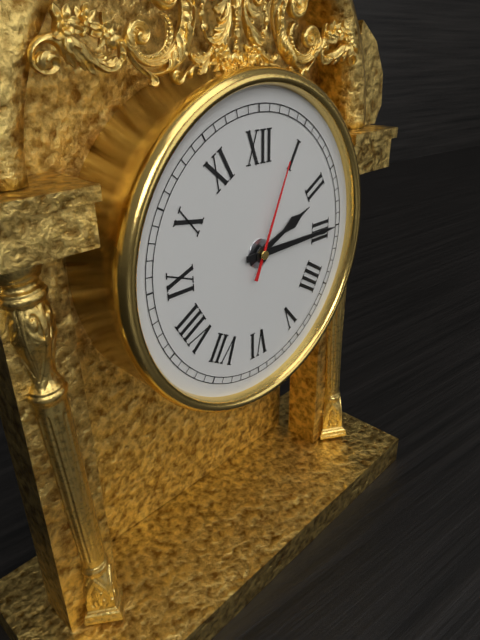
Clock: 2:15:04
